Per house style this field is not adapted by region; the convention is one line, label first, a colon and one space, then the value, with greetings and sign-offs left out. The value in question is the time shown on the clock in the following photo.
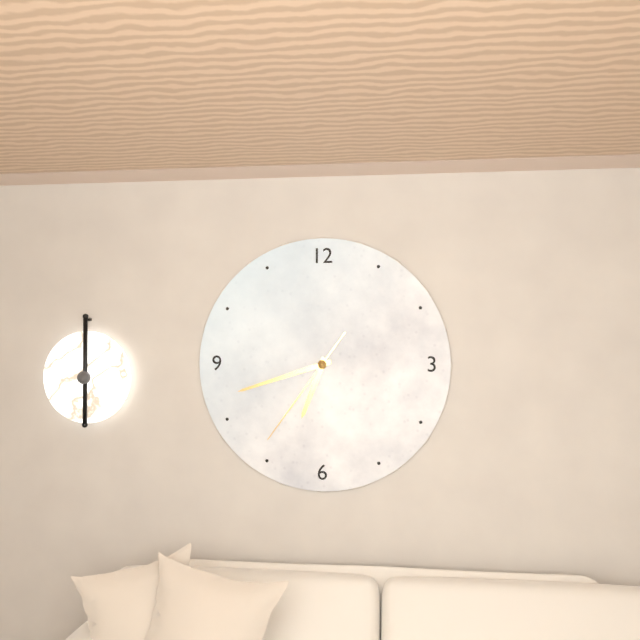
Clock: 6:42:36
